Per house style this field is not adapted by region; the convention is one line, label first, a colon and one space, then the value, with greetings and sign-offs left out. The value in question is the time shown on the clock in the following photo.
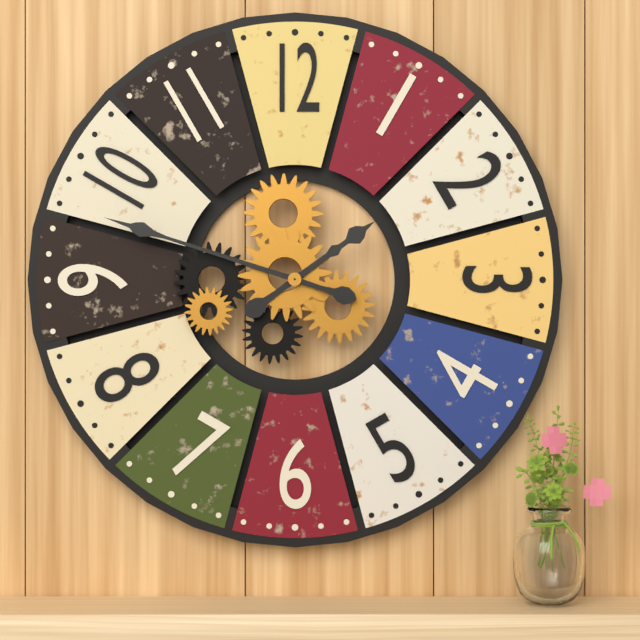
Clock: 1:48
